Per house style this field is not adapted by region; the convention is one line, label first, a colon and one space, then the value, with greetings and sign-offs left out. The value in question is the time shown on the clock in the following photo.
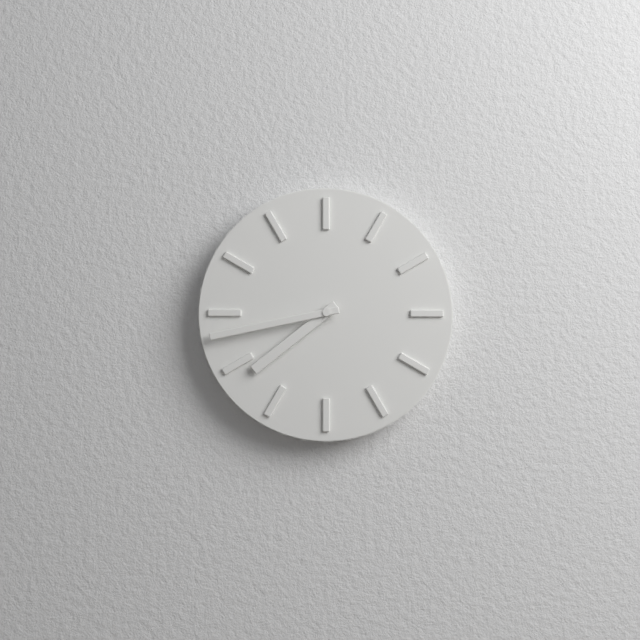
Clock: 7:43
